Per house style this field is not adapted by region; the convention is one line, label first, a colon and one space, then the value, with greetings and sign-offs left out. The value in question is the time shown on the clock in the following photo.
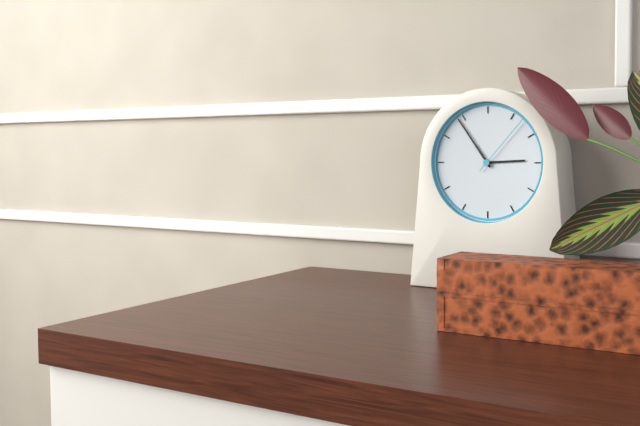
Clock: 2:54:07
